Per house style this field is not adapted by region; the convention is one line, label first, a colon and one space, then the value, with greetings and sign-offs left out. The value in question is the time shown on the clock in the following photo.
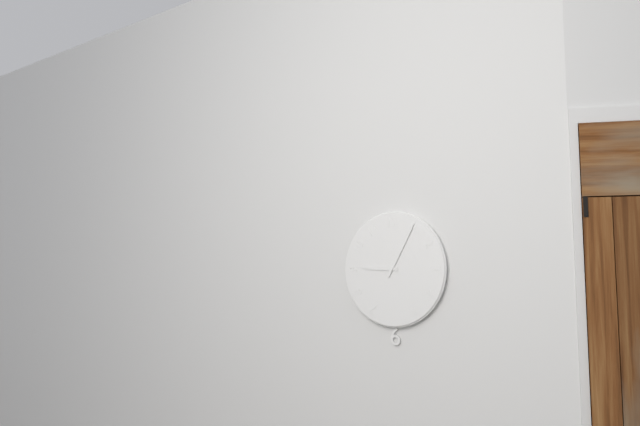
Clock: 9:05
